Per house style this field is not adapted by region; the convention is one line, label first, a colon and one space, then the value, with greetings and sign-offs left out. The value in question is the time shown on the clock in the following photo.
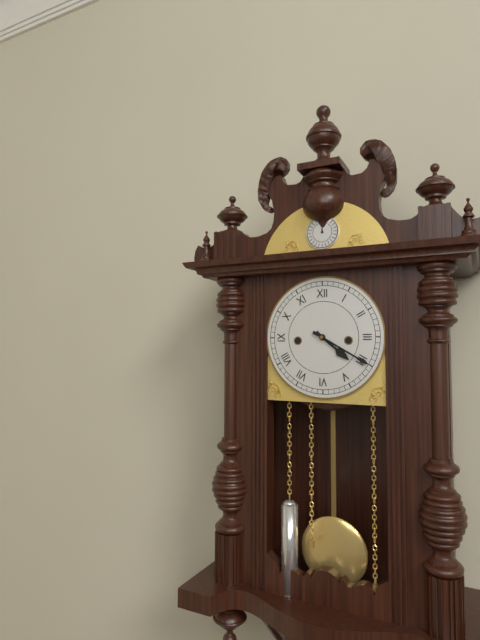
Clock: 4:20
